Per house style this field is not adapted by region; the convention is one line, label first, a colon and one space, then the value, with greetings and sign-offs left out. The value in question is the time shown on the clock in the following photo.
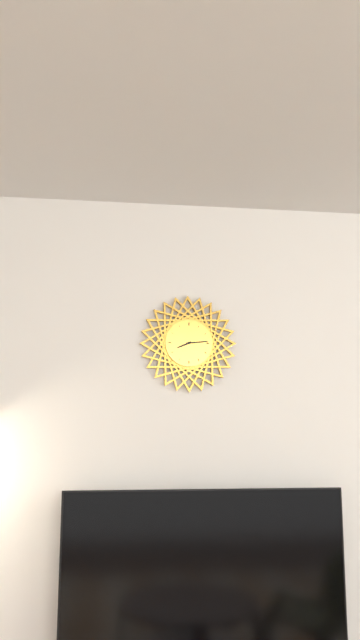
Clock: 8:14
